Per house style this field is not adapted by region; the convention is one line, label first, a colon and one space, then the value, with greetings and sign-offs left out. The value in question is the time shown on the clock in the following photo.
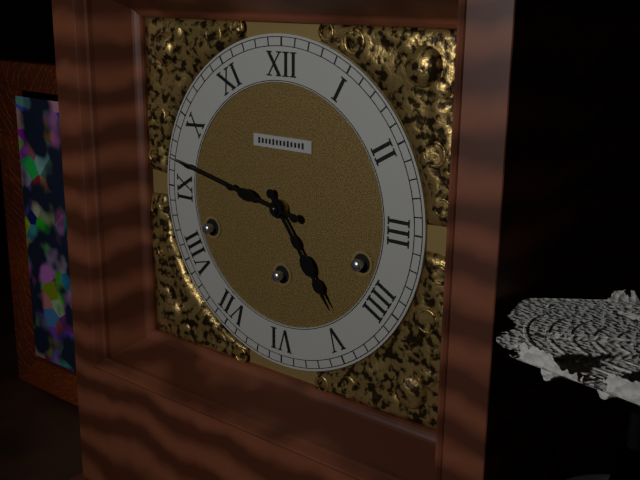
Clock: 4:47
